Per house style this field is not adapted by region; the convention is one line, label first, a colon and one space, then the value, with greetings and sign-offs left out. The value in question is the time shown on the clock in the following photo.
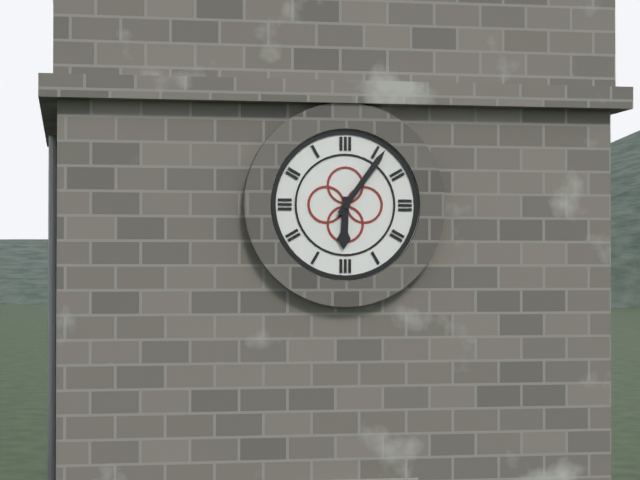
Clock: 6:06
